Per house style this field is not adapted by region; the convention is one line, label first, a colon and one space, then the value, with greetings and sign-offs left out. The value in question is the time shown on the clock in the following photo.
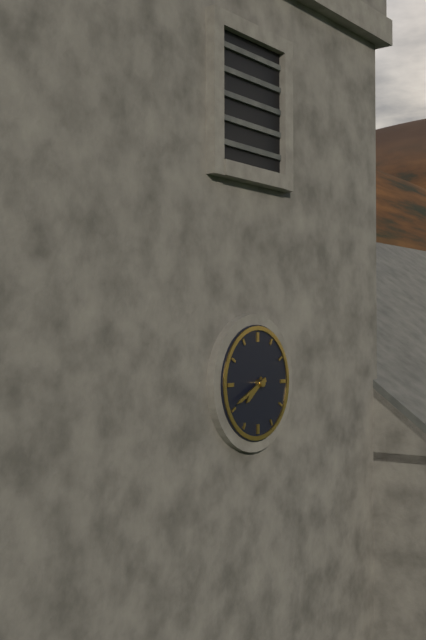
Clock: 7:41
